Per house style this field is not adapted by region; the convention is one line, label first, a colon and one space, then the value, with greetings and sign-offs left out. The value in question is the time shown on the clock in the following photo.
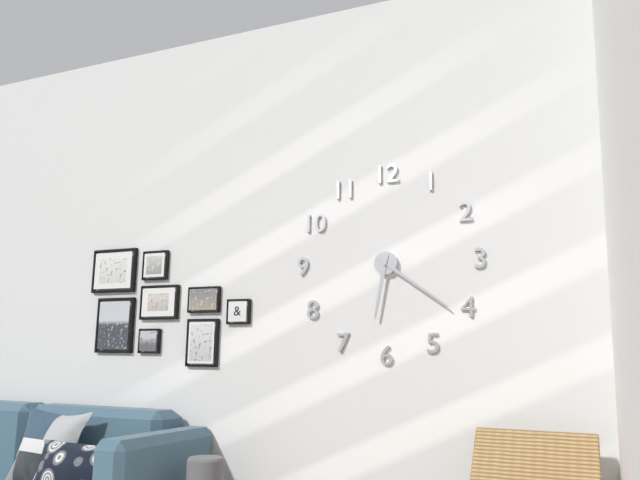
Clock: 6:21
